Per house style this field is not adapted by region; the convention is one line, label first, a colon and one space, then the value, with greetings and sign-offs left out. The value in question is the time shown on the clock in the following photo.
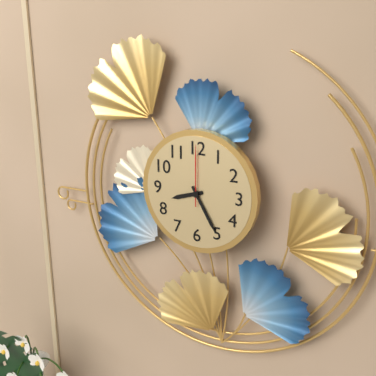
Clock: 8:25:00
